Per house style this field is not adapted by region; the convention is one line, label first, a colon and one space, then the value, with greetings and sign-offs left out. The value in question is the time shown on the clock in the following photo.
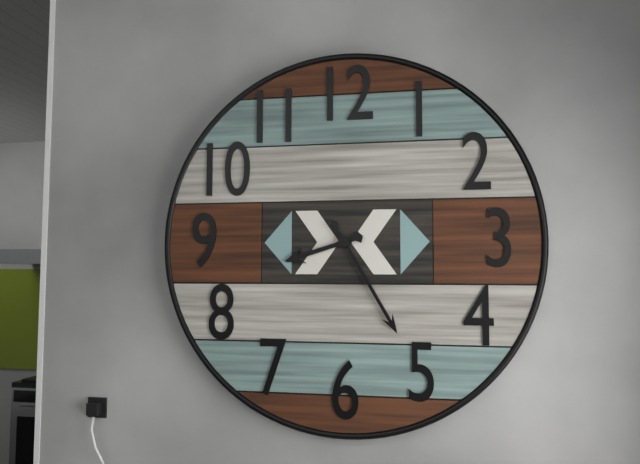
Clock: 8:25
